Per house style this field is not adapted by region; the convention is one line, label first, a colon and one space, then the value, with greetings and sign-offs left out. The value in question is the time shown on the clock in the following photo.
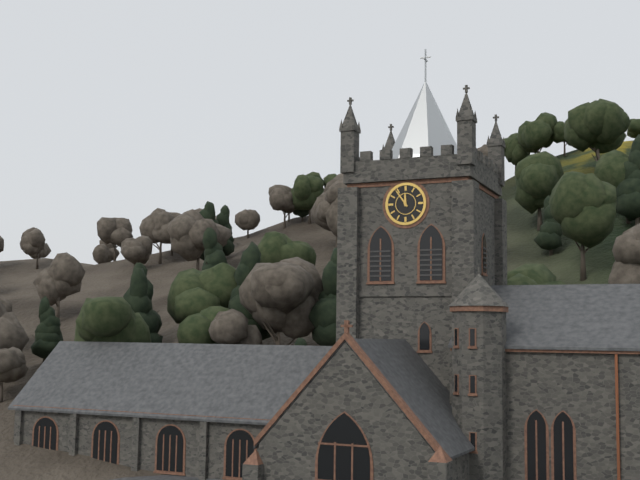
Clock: 11:54
